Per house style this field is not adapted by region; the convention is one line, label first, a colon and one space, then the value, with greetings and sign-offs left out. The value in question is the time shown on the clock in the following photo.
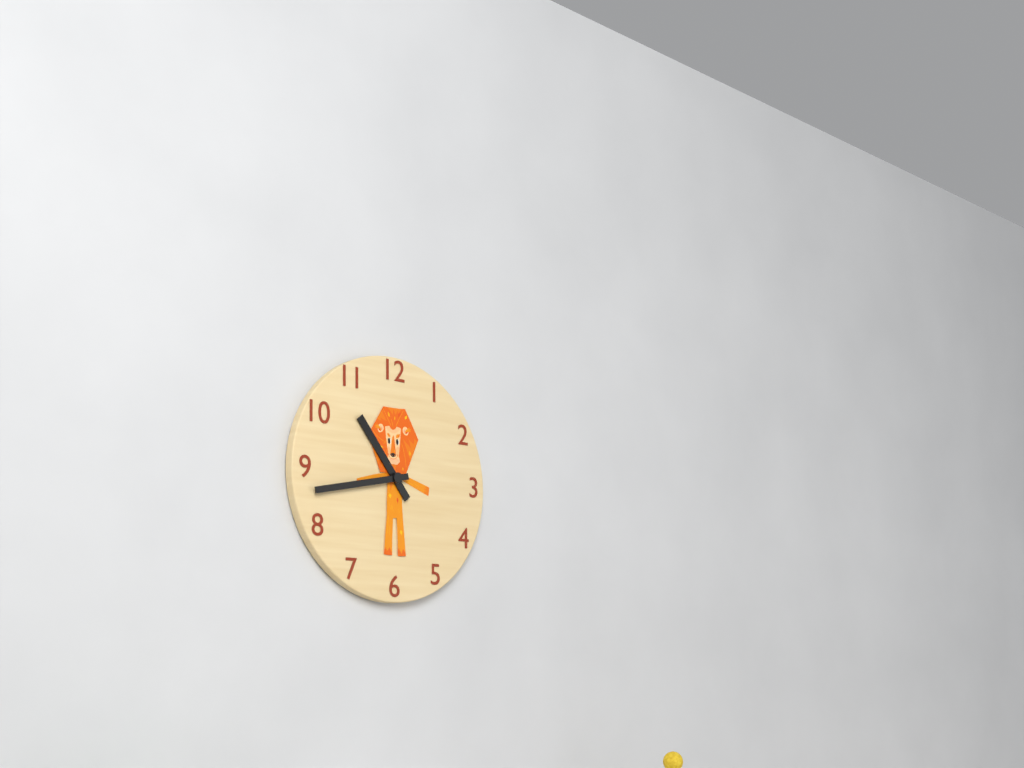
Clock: 10:43
